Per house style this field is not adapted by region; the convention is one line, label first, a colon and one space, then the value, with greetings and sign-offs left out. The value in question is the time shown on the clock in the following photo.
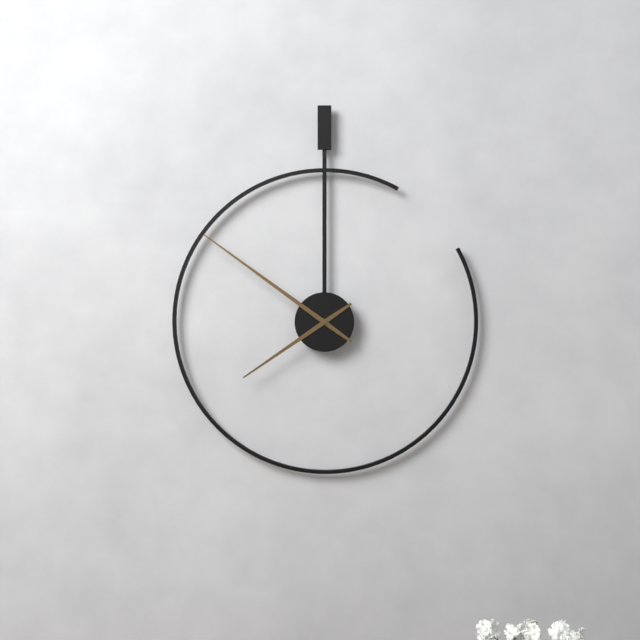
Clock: 7:51
